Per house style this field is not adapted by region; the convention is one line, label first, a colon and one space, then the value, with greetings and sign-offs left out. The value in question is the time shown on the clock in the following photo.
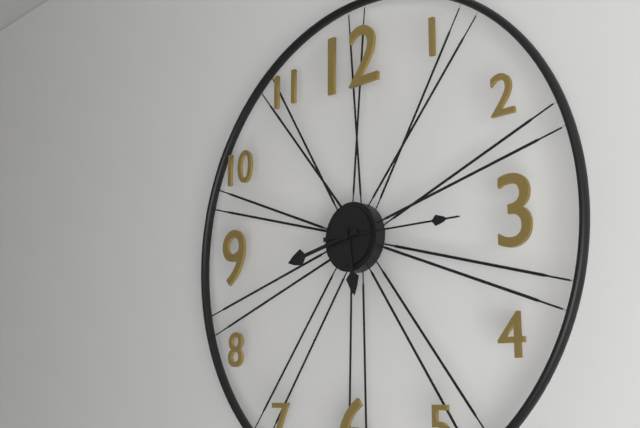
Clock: 5:43:15
